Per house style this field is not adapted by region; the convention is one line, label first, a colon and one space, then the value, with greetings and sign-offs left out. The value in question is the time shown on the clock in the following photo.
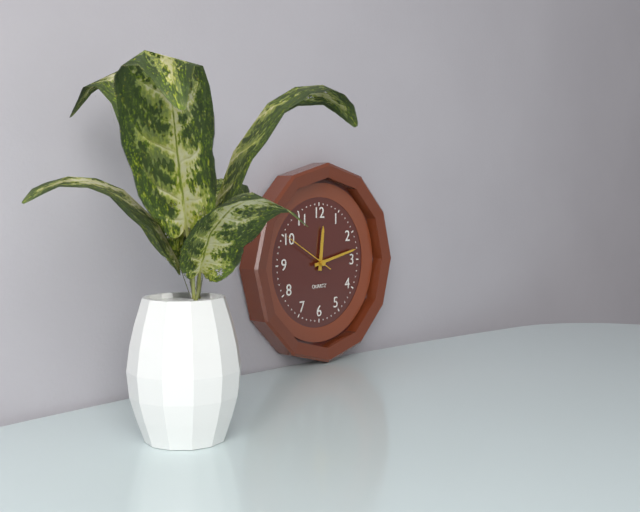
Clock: 12:13:50
